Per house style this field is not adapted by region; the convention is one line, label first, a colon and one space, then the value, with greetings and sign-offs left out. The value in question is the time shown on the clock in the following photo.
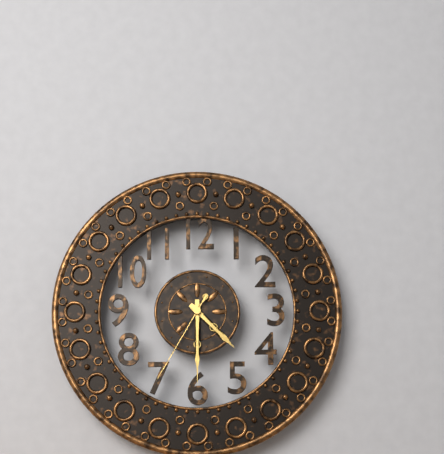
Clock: 4:30:35
